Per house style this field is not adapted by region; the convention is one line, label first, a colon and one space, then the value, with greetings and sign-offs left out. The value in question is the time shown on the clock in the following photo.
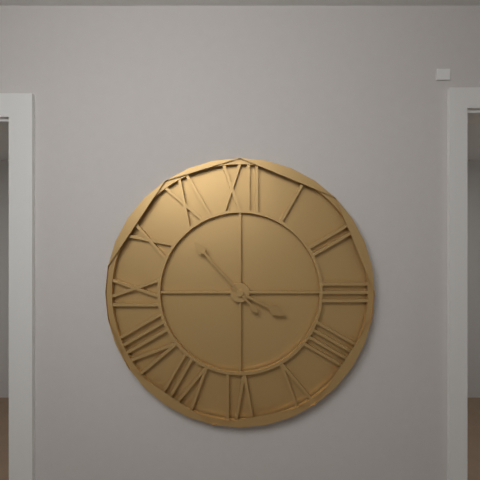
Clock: 3:53
